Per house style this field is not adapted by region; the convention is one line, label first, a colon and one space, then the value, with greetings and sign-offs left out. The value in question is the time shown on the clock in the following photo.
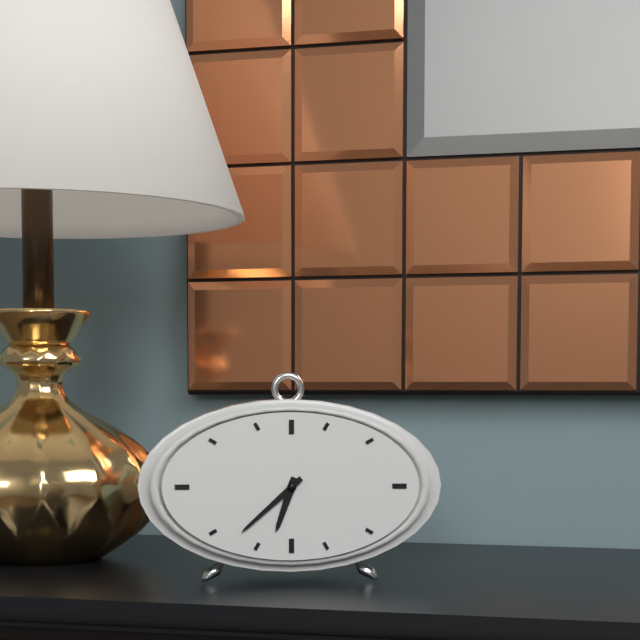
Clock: 6:38
